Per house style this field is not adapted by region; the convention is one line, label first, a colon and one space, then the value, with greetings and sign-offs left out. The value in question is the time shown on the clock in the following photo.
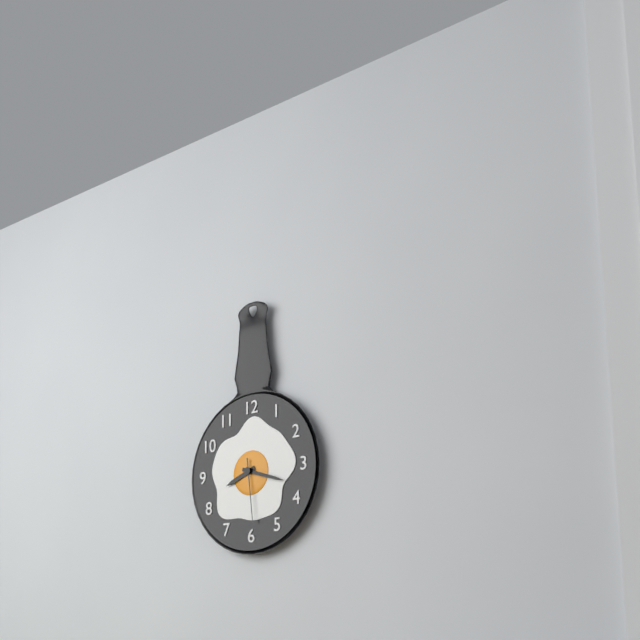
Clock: 8:18:29
